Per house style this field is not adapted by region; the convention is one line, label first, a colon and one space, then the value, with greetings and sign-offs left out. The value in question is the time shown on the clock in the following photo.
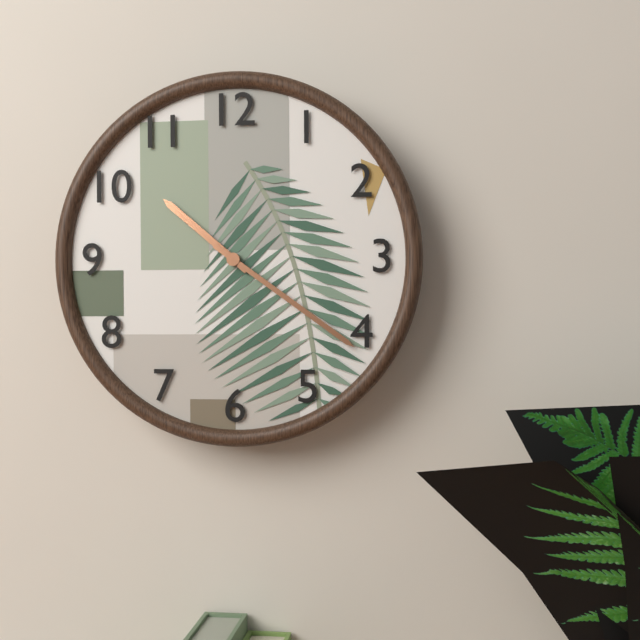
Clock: 10:21
